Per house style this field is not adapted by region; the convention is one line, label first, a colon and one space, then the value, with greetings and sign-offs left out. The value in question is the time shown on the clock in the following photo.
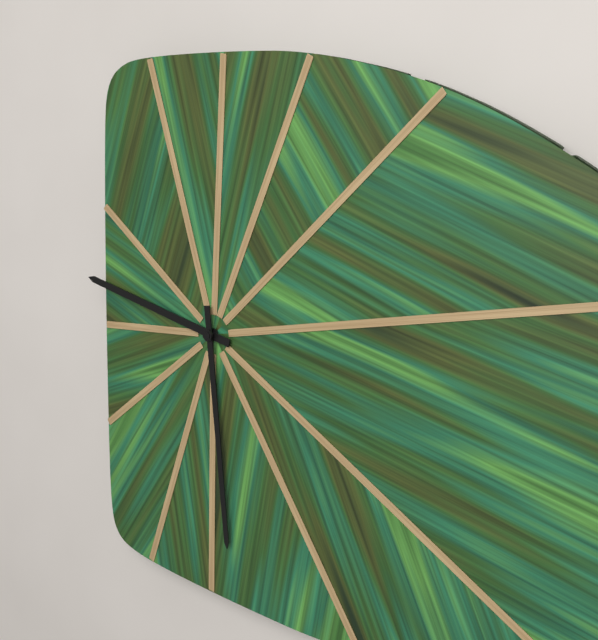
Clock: 9:29
